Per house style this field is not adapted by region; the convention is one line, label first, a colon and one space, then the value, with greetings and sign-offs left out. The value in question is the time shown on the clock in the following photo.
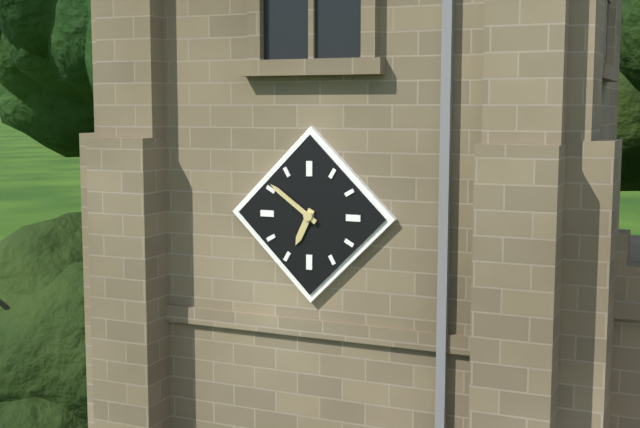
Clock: 6:51
